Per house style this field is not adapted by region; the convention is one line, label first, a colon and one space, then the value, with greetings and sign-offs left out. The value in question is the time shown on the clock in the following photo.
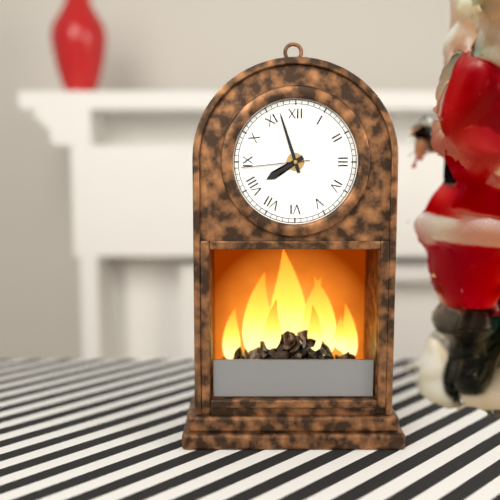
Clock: 7:57:44
